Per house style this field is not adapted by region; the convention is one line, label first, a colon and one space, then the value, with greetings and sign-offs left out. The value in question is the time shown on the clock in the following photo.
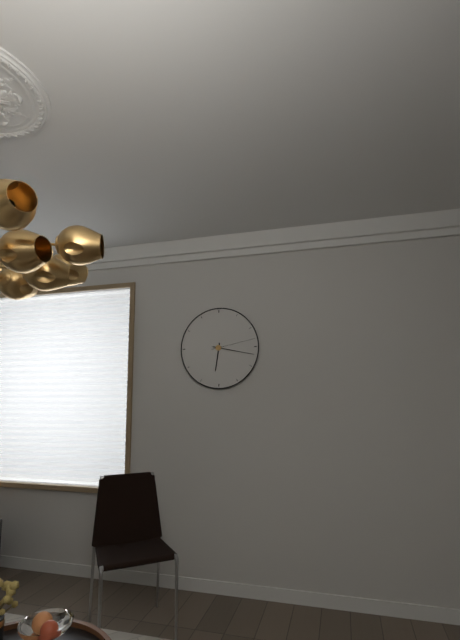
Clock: 6:17
